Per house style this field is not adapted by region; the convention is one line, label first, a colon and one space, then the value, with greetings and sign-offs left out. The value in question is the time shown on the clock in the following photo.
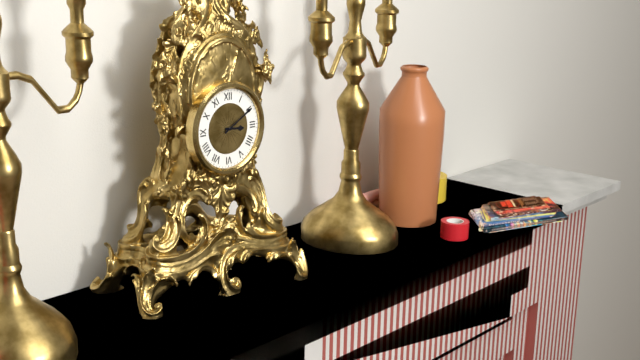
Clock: 3:10
